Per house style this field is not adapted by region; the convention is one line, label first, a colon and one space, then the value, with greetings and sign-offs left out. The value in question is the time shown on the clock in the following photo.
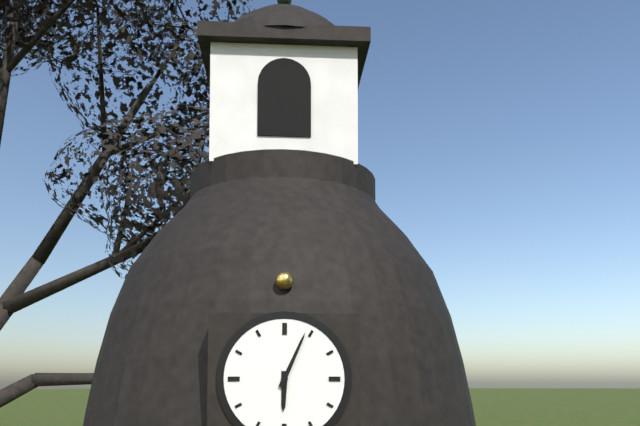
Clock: 6:04
